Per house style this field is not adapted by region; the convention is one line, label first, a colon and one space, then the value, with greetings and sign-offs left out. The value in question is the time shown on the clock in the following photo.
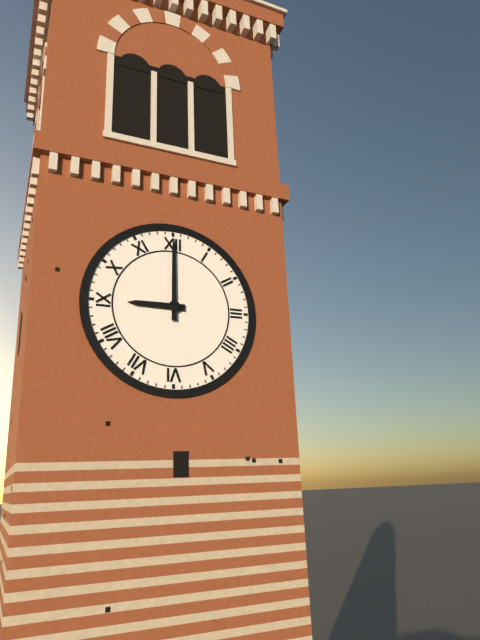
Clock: 9:00
